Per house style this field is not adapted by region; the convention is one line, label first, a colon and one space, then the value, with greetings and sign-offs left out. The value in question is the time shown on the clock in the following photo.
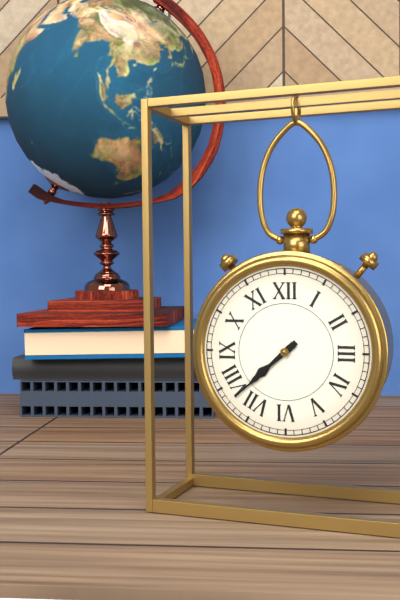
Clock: 7:38
